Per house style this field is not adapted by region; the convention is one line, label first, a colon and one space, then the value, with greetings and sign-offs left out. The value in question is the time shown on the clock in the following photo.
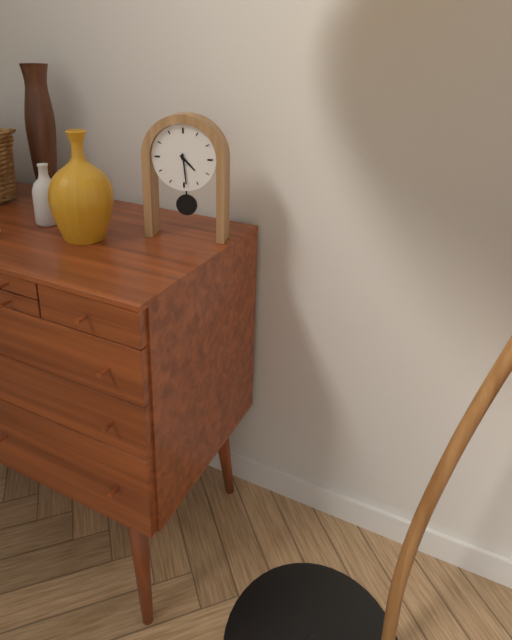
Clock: 4:29
